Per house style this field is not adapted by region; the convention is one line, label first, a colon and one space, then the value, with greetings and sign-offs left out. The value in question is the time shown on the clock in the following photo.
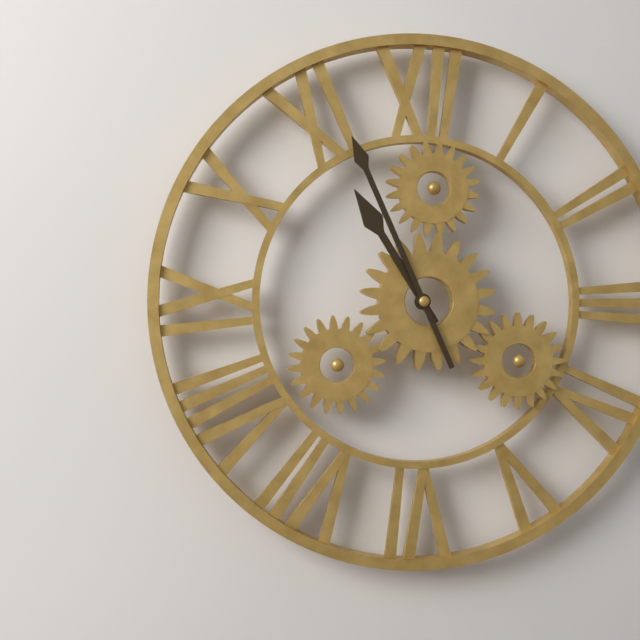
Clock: 10:56
